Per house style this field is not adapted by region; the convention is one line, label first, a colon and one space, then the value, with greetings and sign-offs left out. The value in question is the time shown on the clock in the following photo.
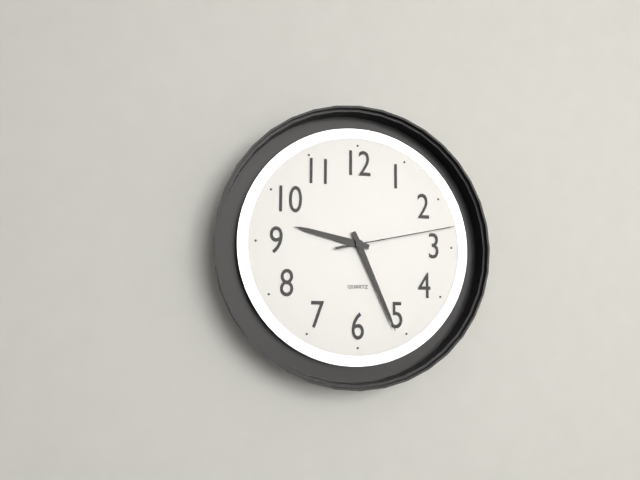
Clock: 9:26:13
